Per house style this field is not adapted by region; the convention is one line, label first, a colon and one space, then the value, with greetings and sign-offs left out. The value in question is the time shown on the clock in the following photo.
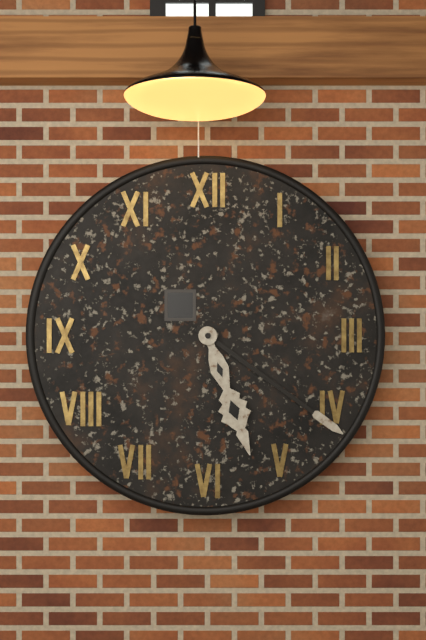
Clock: 5:21
